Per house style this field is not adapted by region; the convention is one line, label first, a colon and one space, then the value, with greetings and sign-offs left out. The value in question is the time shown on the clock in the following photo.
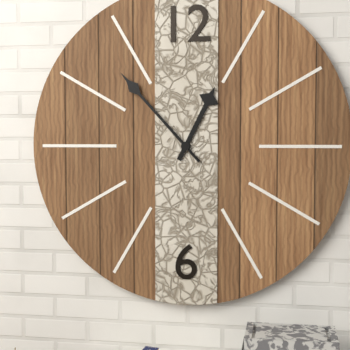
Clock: 12:53
